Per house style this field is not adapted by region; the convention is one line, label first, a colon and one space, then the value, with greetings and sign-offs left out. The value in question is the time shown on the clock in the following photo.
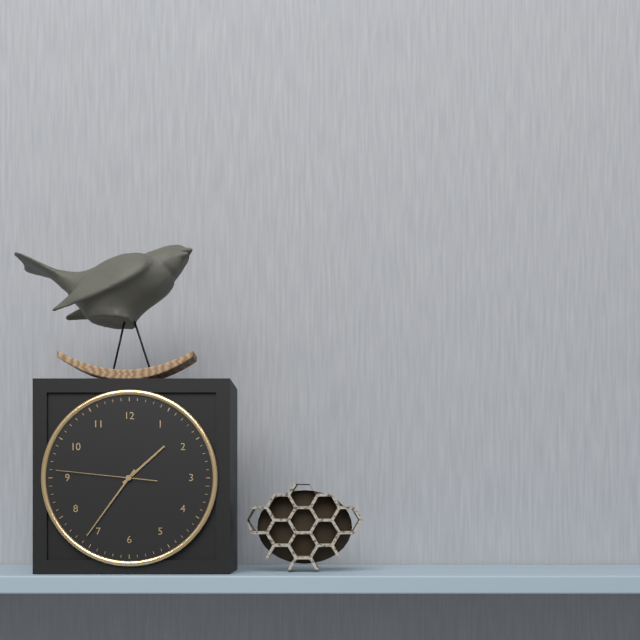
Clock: 1:36:46
